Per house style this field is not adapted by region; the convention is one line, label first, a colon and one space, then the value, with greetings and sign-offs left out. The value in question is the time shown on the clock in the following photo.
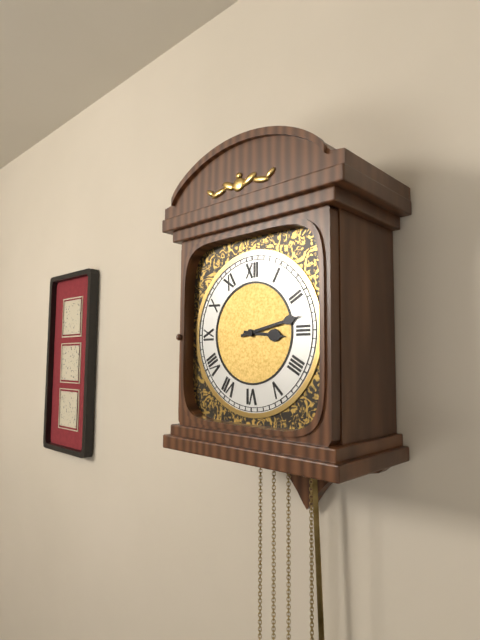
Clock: 3:13
